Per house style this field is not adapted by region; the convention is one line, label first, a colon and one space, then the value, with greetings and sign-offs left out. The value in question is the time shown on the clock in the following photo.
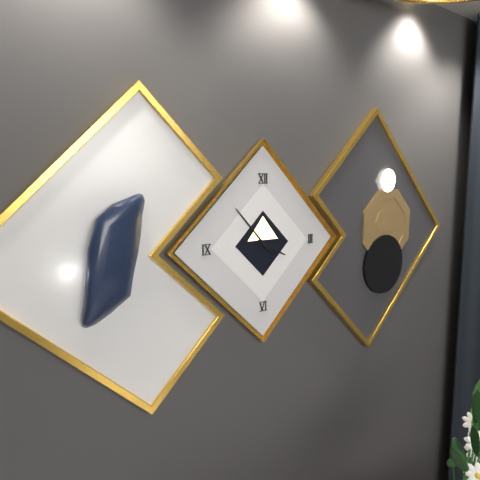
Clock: 3:53
